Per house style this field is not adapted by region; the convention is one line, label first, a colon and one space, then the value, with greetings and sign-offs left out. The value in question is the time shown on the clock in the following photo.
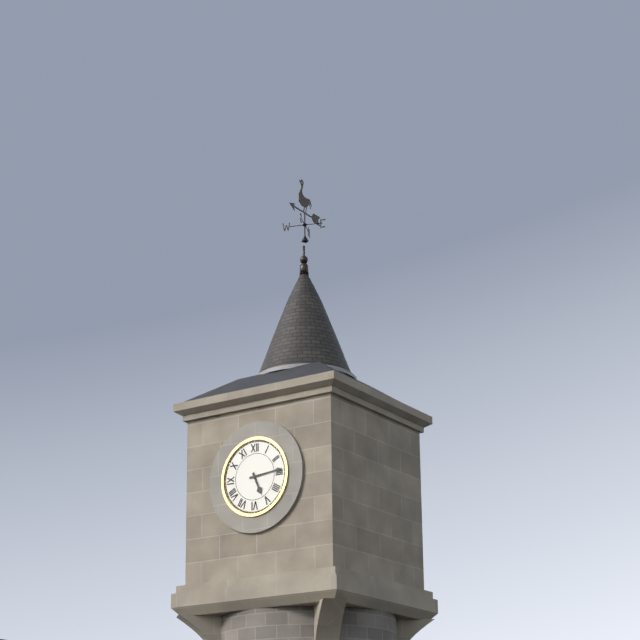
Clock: 5:14
